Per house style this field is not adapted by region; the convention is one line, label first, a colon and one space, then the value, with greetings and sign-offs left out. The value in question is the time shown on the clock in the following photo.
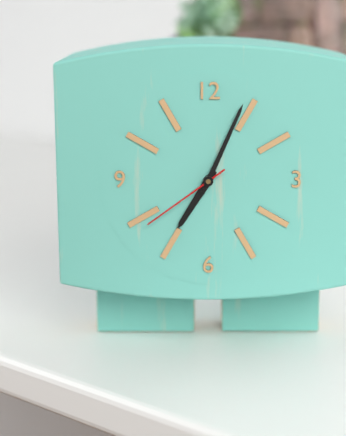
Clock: 7:04:39
